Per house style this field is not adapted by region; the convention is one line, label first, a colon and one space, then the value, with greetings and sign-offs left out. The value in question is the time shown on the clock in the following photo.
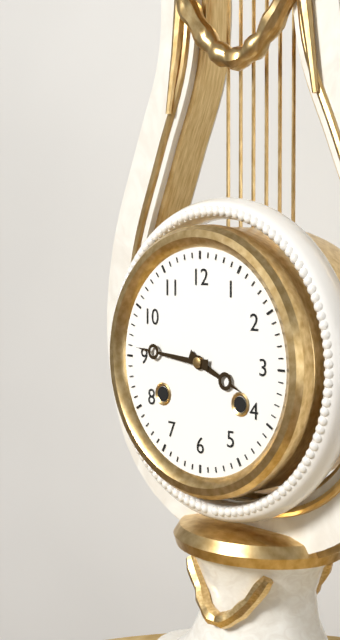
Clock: 3:46
